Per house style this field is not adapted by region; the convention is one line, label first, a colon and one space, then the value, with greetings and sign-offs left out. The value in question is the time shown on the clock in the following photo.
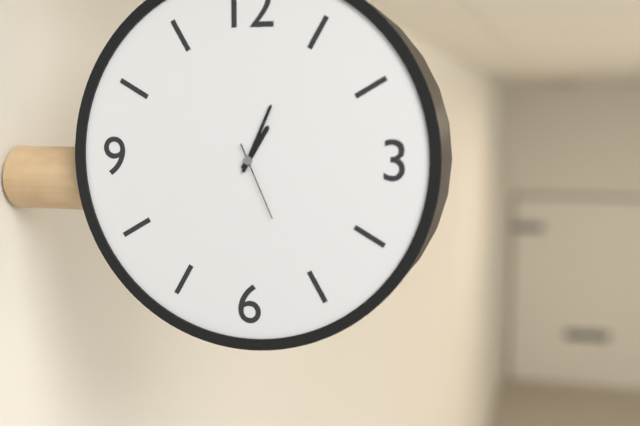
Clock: 1:04:26
